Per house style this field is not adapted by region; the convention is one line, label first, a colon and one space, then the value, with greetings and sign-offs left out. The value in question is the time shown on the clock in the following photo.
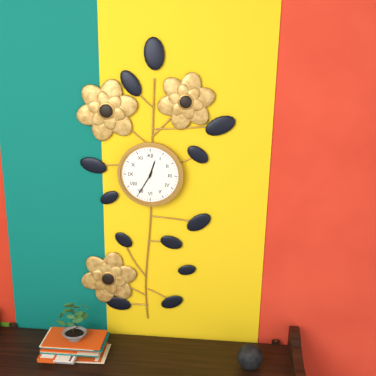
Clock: 12:35
